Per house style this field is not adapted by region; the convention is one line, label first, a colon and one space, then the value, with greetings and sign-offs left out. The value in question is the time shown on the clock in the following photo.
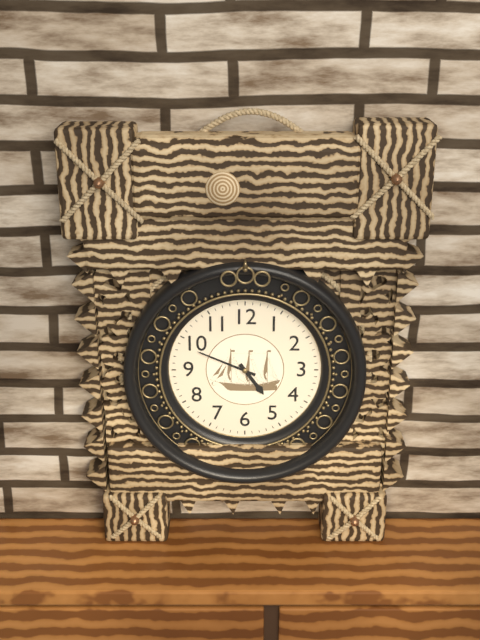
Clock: 4:49
